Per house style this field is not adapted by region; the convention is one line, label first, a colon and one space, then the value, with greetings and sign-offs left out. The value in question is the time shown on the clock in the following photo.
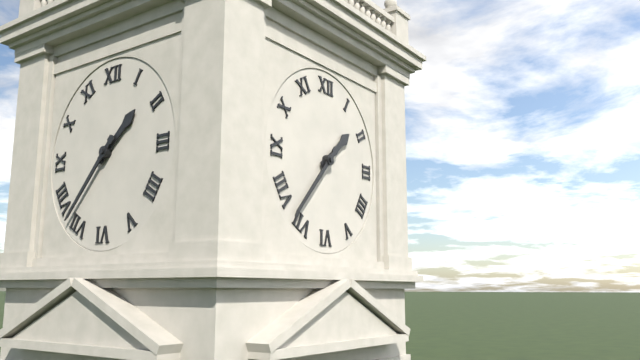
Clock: 1:37
